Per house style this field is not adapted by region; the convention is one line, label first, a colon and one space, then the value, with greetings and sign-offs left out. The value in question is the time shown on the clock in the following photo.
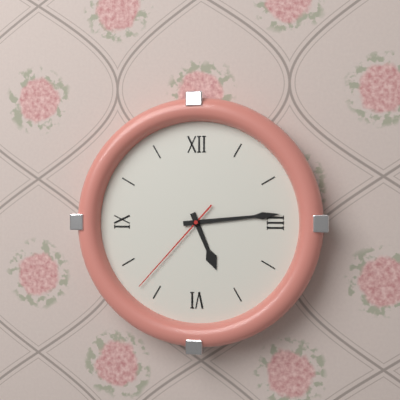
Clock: 5:14:37
